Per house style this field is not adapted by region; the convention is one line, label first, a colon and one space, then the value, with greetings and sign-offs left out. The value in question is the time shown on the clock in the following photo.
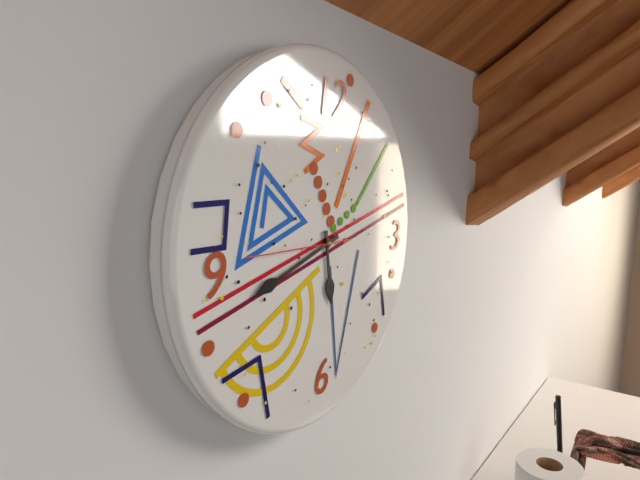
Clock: 5:42:45
